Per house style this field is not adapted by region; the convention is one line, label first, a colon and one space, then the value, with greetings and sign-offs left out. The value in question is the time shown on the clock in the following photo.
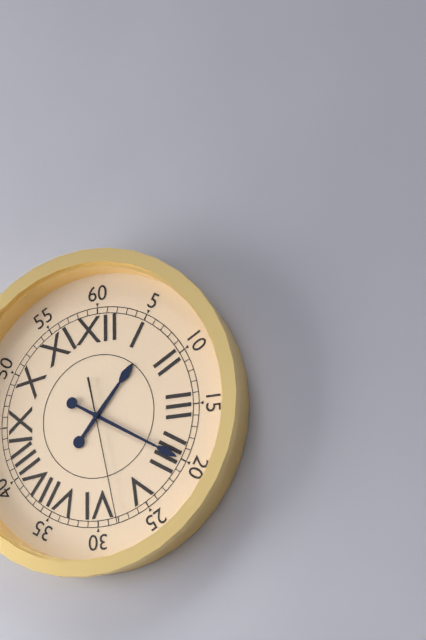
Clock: 1:20:28
